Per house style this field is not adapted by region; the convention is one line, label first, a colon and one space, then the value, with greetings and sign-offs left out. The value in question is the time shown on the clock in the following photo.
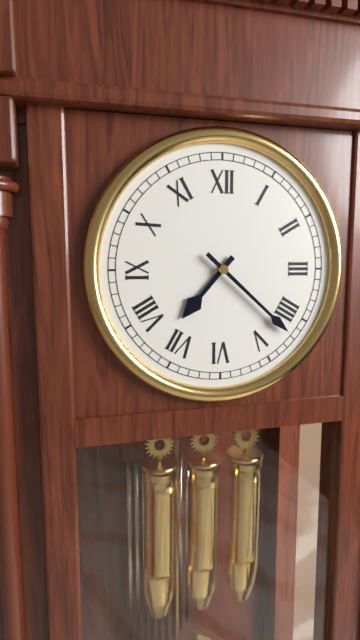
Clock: 7:22
